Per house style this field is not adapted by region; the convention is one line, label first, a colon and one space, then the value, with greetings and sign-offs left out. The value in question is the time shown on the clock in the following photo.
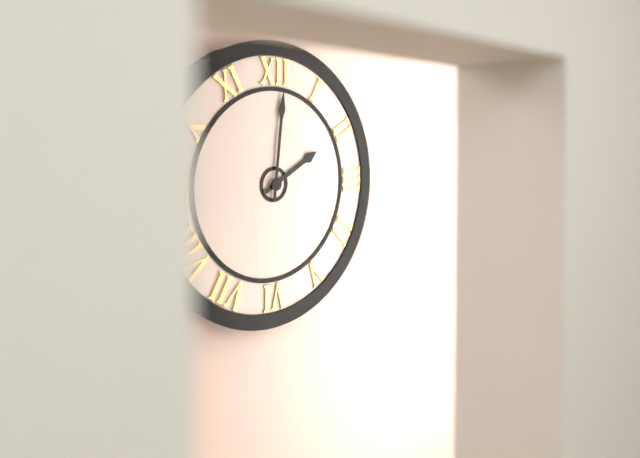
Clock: 2:01
